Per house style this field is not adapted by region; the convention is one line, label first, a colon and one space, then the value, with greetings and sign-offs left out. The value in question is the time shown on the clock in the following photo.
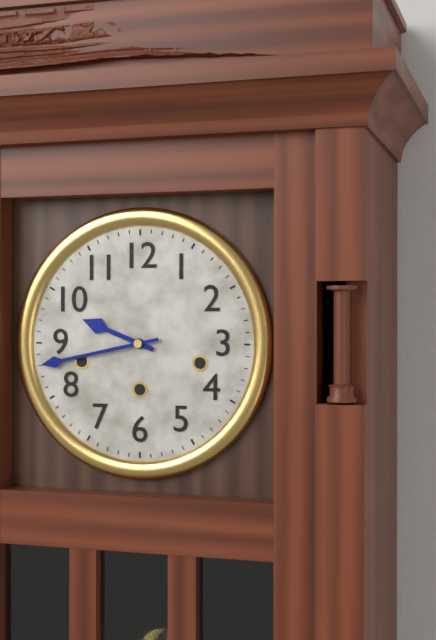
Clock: 9:43
